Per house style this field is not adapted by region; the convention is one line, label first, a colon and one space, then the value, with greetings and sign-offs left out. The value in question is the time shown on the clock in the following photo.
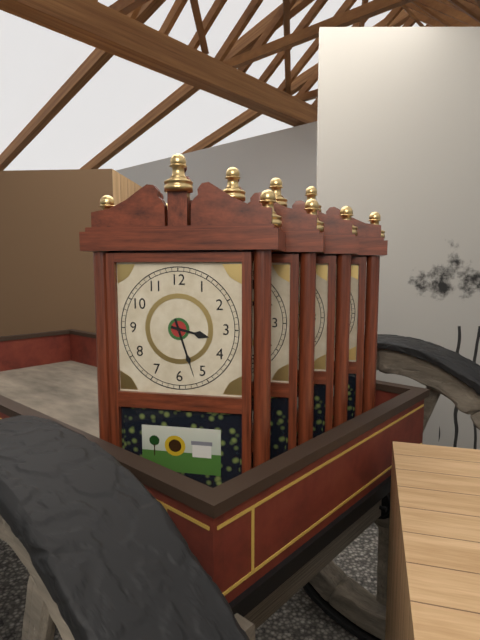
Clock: 3:27
